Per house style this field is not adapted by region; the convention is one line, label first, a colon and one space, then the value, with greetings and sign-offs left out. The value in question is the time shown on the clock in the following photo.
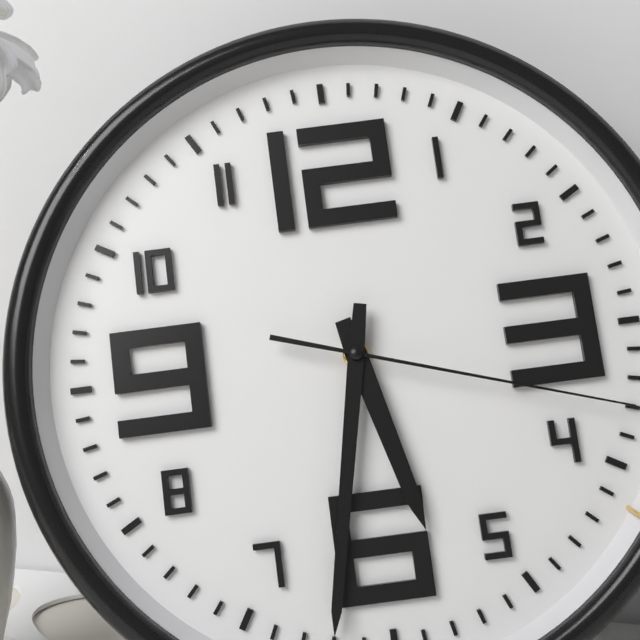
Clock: 5:32:18
